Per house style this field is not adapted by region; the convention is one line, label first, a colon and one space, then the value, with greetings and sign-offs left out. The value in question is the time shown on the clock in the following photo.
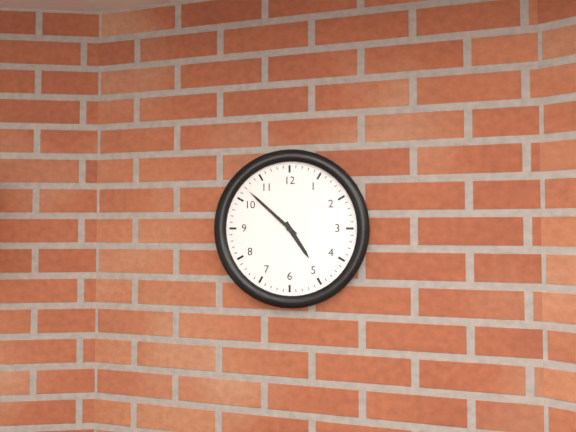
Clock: 4:52
